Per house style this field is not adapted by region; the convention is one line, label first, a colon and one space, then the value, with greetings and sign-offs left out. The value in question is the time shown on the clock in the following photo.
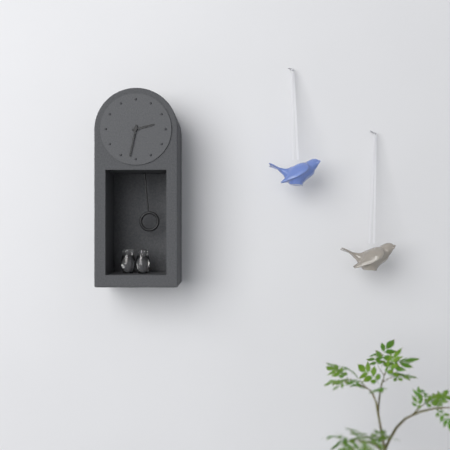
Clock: 2:32
